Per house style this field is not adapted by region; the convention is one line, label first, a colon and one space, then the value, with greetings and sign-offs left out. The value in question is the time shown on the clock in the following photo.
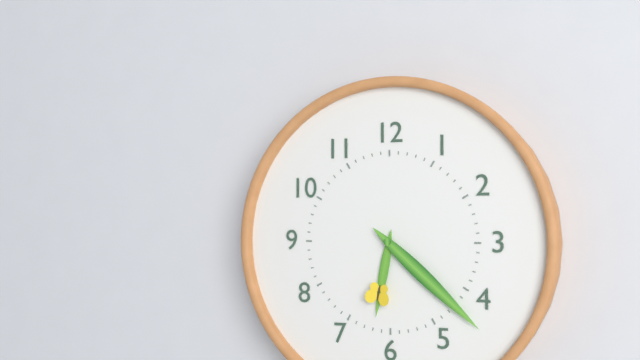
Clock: 6:22
